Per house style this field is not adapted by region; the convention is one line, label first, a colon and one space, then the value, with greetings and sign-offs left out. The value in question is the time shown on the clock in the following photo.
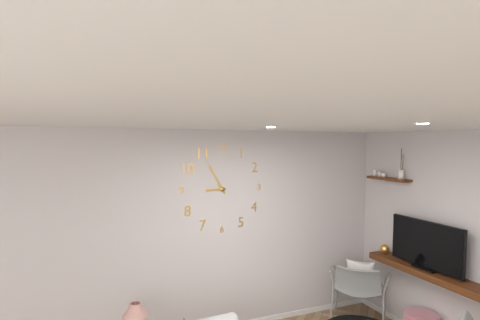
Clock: 8:55
